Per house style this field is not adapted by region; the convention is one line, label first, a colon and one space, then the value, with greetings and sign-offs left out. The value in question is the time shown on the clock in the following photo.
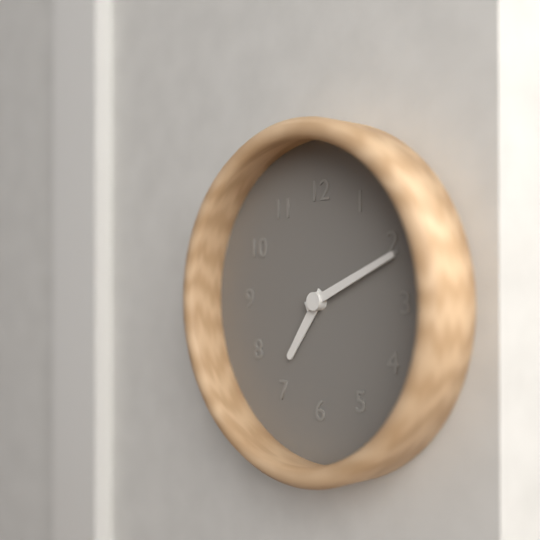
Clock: 7:11
